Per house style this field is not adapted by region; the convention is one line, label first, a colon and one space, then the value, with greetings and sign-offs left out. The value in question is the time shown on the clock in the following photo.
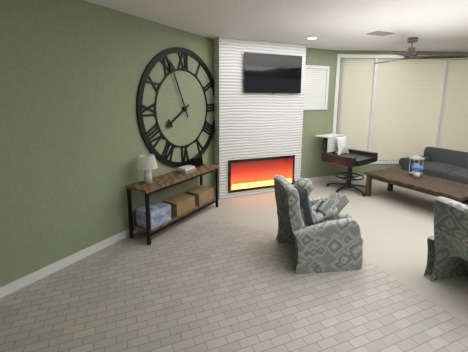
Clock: 7:56
